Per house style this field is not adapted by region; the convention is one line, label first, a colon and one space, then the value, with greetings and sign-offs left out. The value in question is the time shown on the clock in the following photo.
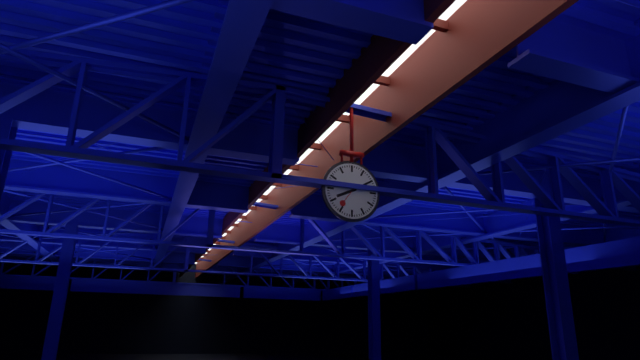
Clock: 8:10
